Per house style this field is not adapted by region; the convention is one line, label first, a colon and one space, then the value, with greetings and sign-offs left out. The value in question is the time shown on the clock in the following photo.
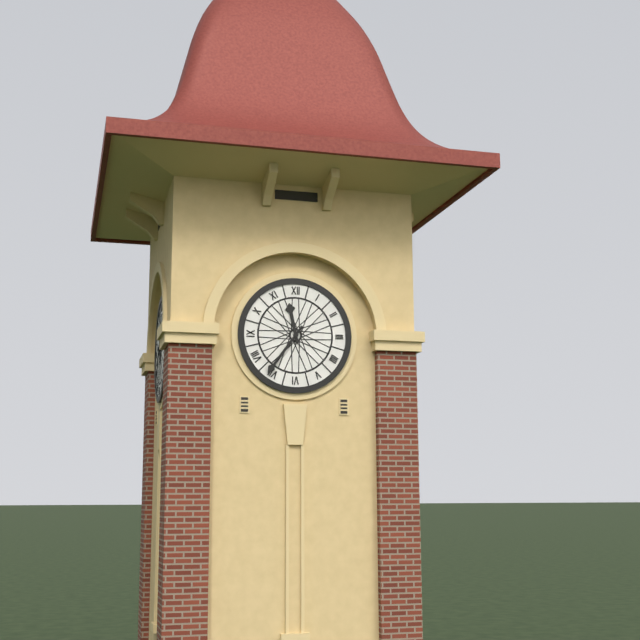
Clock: 11:36
